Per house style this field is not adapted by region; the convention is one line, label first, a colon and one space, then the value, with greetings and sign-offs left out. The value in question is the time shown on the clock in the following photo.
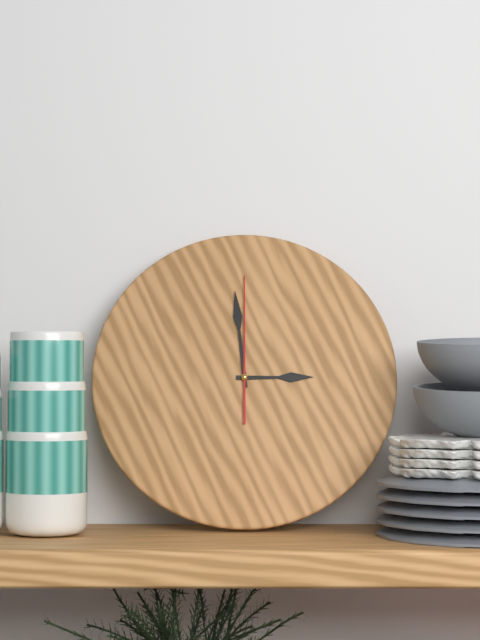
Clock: 2:59:00
